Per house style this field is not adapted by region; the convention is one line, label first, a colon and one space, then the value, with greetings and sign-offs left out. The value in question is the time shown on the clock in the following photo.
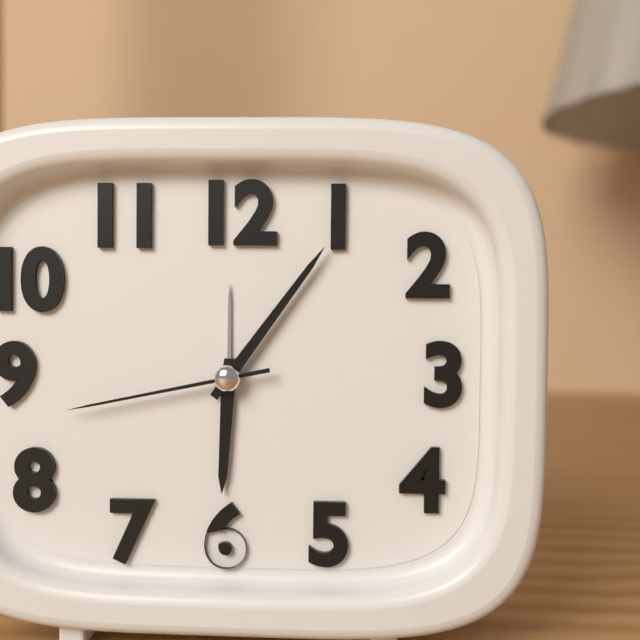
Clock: 6:06:43
